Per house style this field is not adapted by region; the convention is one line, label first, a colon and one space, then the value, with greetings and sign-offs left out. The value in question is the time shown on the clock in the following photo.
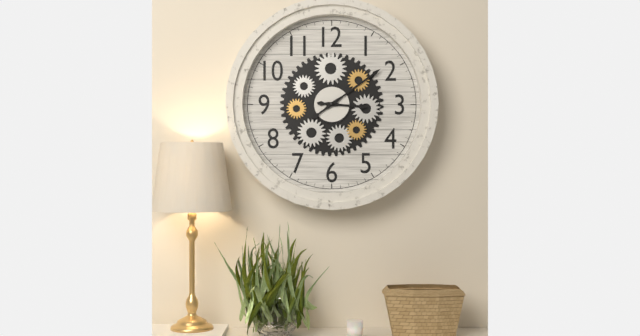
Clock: 3:09
